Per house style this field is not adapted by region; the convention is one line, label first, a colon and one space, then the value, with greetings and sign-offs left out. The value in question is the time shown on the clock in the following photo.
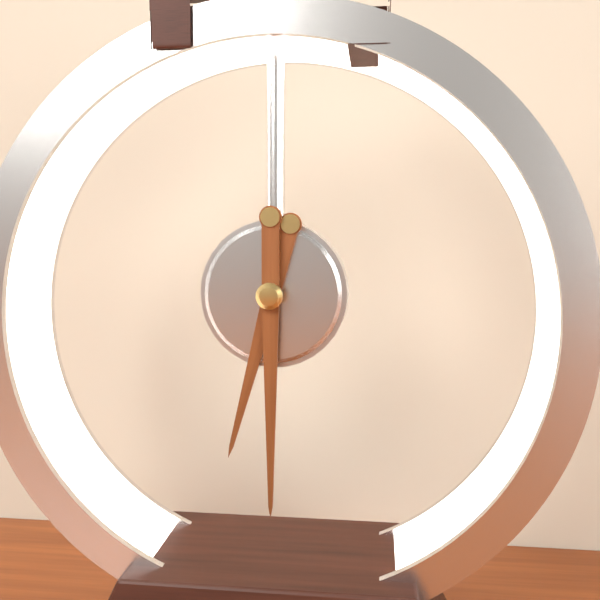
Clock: 6:30
